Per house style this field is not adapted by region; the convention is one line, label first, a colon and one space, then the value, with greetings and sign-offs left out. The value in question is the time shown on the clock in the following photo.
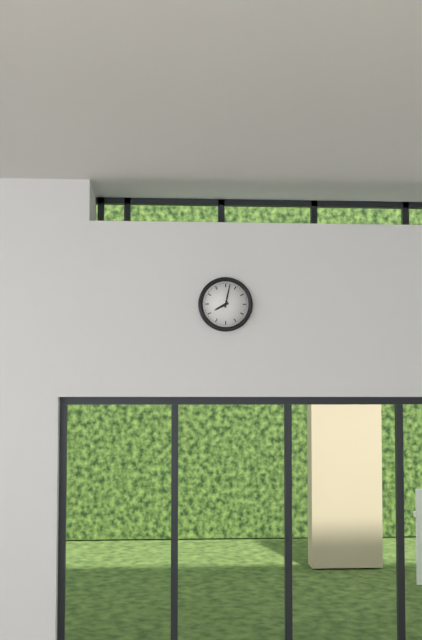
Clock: 8:02
